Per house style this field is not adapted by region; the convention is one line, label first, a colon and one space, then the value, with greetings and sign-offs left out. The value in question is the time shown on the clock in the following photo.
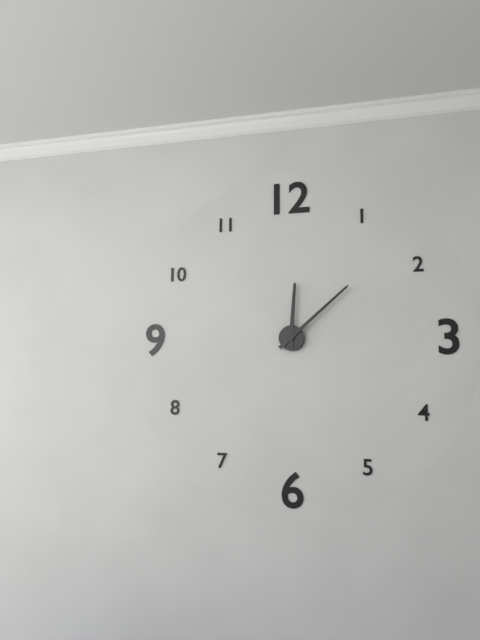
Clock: 12:08
